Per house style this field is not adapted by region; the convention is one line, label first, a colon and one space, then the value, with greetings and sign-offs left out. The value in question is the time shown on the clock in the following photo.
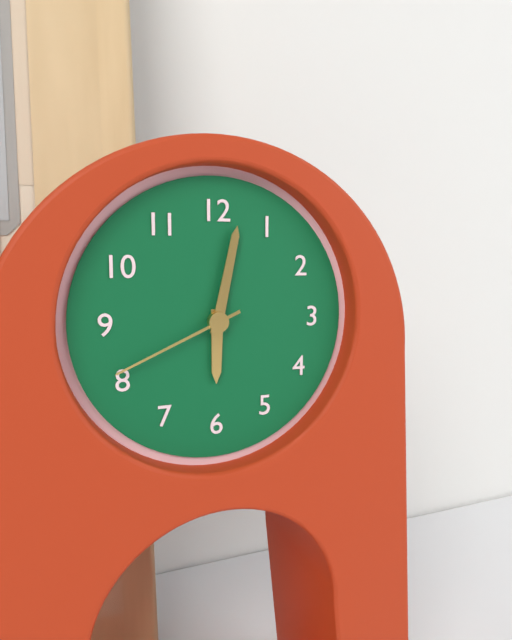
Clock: 6:02:41
